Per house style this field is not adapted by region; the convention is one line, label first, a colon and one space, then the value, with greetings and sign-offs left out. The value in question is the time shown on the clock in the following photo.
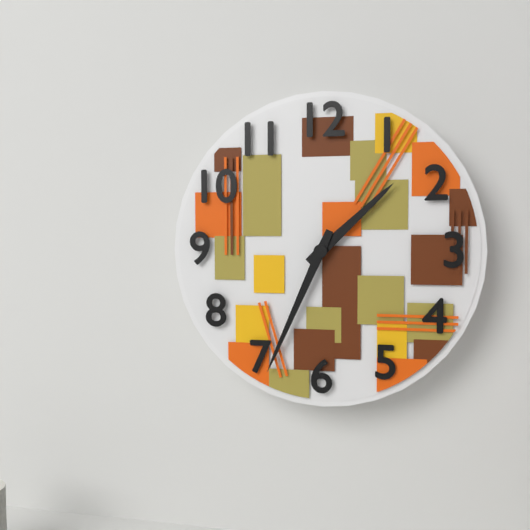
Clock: 1:34
